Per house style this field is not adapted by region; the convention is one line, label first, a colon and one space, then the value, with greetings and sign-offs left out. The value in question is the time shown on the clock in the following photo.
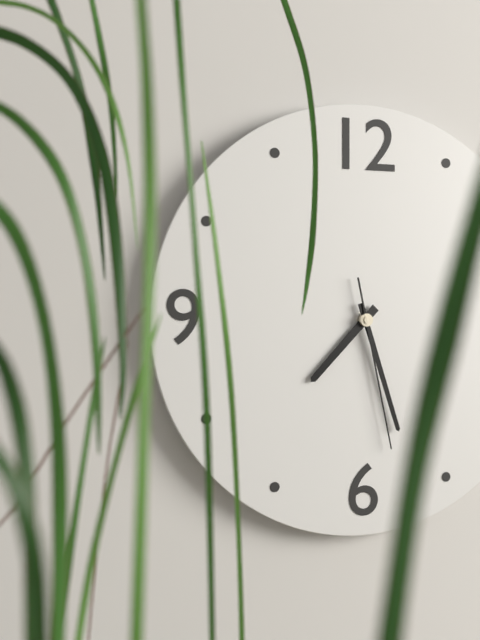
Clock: 7:27:28
